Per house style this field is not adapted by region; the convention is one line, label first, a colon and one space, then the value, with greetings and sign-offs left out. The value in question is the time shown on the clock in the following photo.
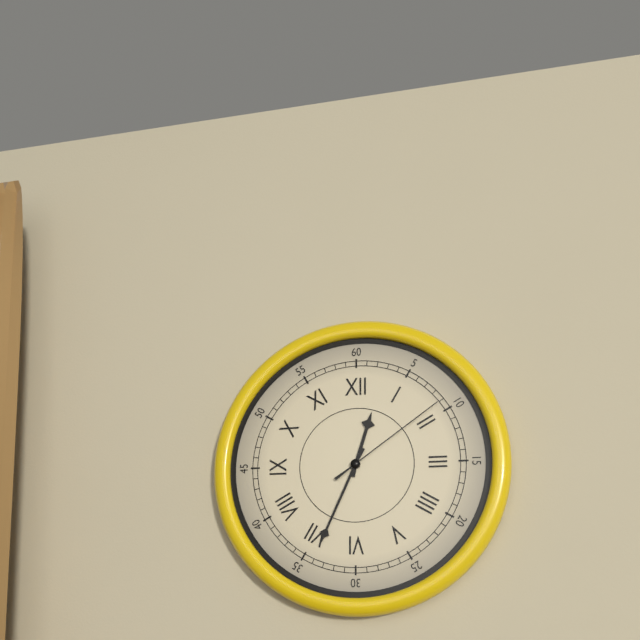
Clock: 12:34:09
